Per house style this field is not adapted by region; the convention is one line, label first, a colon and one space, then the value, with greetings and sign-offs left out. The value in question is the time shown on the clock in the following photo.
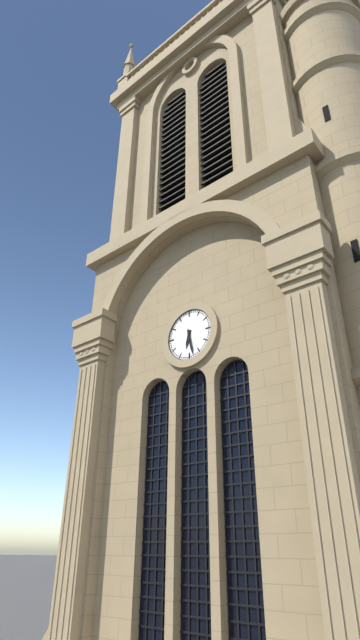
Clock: 6:28
